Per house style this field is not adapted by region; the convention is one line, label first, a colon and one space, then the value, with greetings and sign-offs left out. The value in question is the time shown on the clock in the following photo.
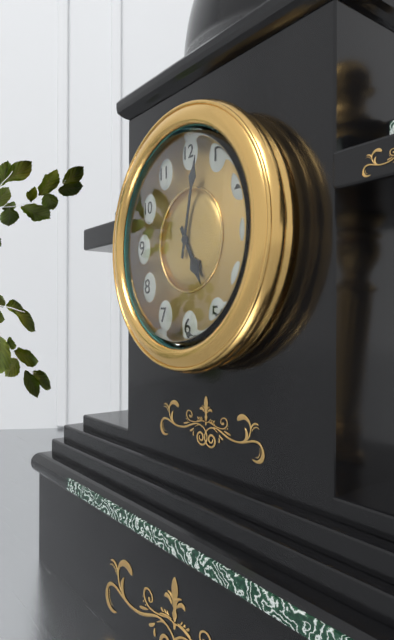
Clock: 5:02
